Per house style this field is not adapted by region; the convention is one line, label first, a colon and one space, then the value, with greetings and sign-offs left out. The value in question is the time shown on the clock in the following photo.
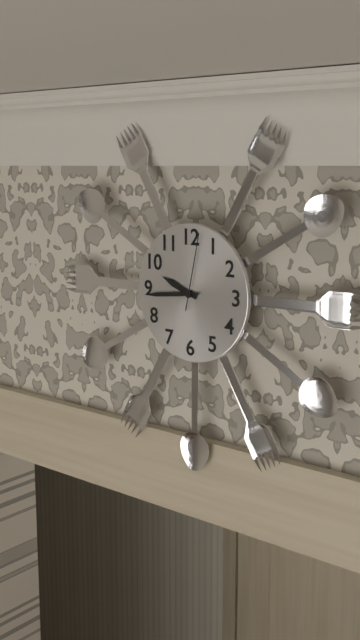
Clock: 9:44:02
